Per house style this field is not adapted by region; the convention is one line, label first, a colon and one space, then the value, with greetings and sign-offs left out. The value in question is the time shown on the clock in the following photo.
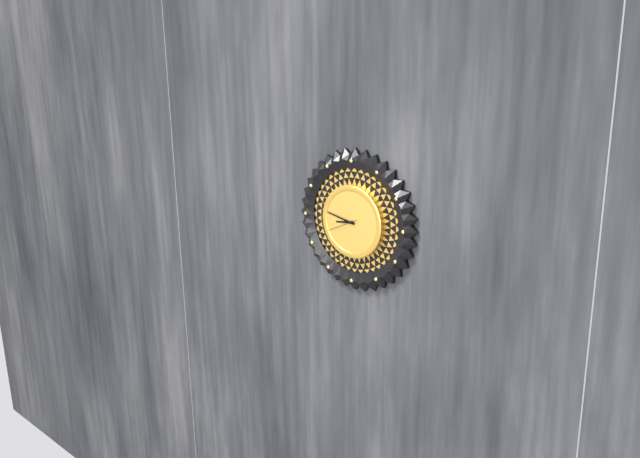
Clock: 8:47
